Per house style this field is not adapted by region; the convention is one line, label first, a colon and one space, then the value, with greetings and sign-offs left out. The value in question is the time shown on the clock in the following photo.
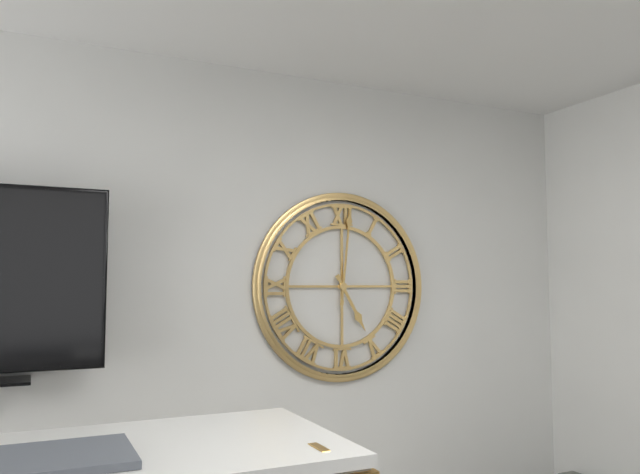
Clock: 5:01
